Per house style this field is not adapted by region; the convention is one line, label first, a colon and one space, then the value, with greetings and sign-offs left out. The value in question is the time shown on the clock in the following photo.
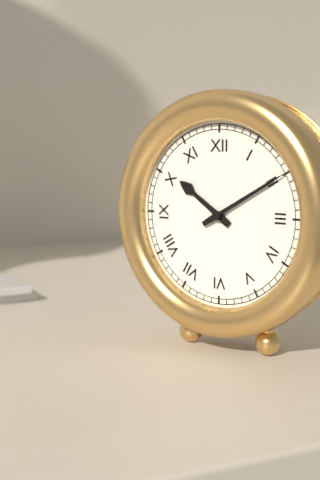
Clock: 10:10
